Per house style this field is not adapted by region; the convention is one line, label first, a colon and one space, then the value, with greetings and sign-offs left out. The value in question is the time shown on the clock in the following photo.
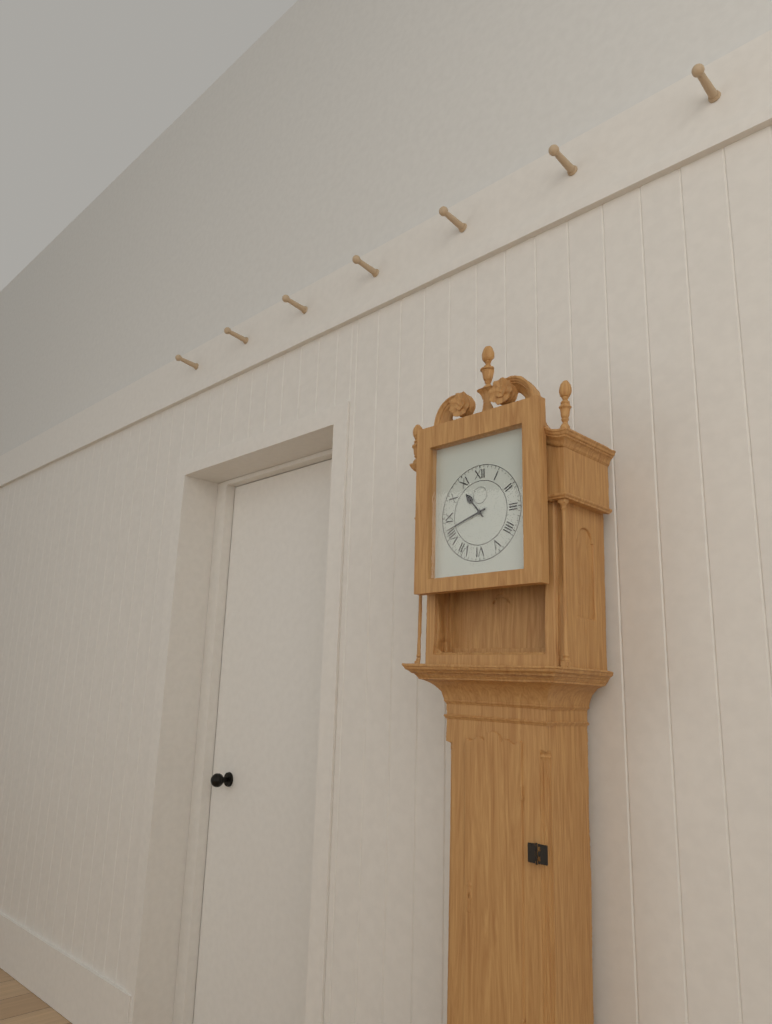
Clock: 10:42
